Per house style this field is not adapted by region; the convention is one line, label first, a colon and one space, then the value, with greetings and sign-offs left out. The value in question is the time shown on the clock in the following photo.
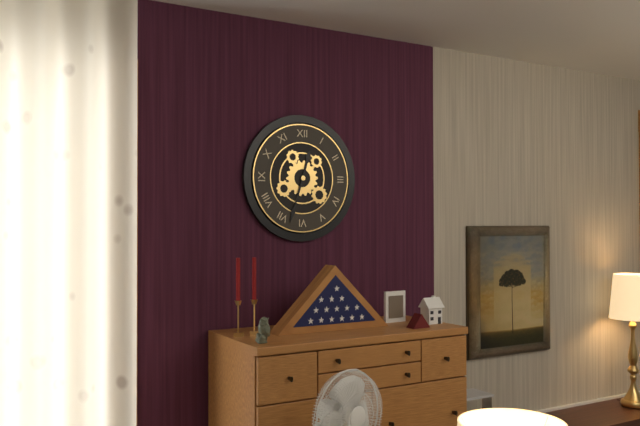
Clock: 12:33
